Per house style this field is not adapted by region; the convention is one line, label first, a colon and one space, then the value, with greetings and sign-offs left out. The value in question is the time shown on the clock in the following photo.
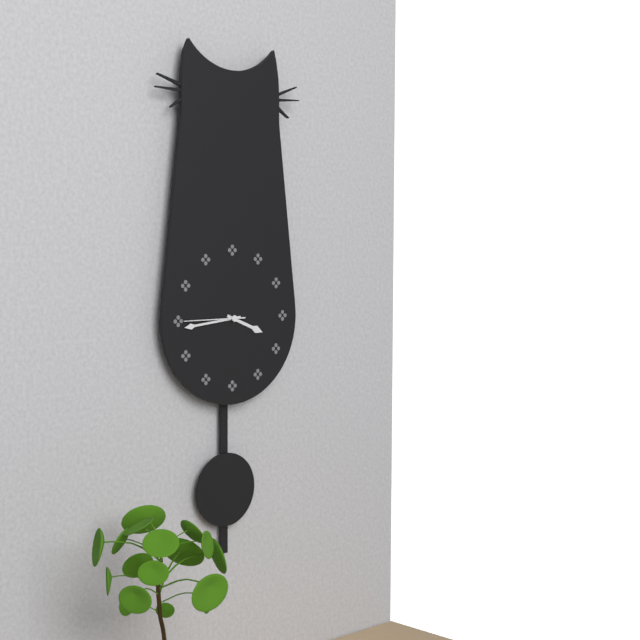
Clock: 3:44:45
